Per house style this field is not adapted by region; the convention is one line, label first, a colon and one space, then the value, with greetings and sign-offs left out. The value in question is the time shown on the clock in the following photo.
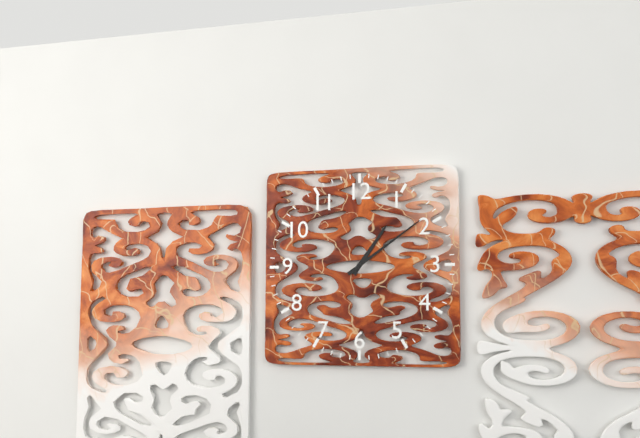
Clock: 1:09
